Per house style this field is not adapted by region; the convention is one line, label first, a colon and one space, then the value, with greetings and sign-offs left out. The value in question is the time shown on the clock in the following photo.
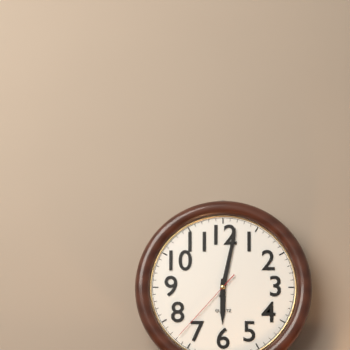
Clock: 6:02:37
